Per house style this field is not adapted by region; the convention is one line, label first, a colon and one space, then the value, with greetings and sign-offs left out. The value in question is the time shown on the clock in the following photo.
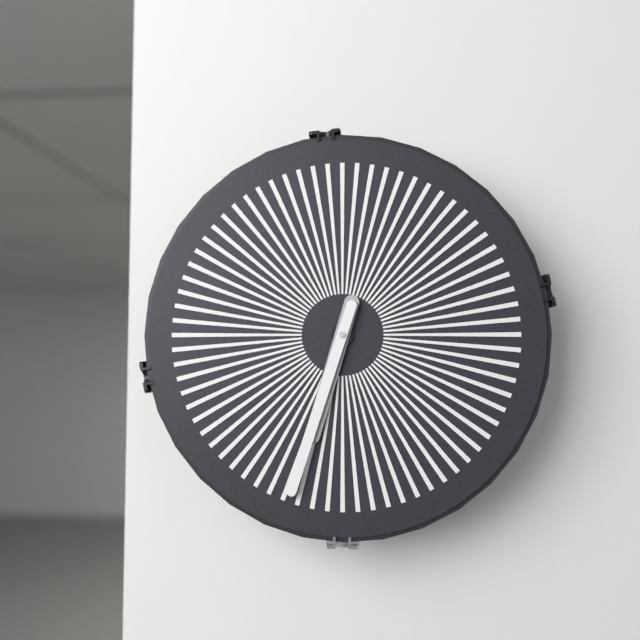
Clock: 6:33
